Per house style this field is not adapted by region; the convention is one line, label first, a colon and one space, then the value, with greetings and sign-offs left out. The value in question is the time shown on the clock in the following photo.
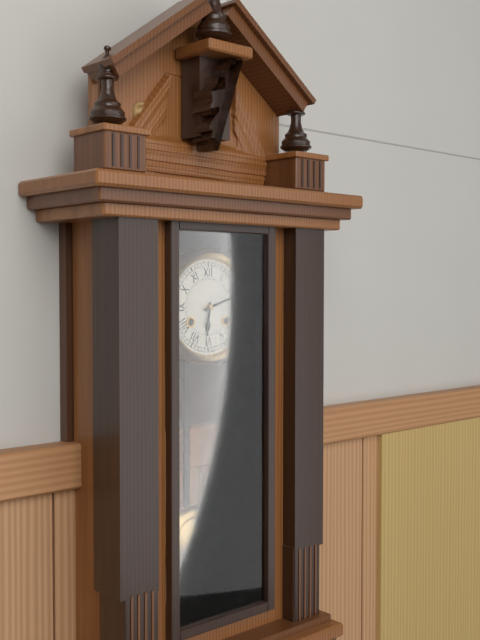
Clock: 6:12
